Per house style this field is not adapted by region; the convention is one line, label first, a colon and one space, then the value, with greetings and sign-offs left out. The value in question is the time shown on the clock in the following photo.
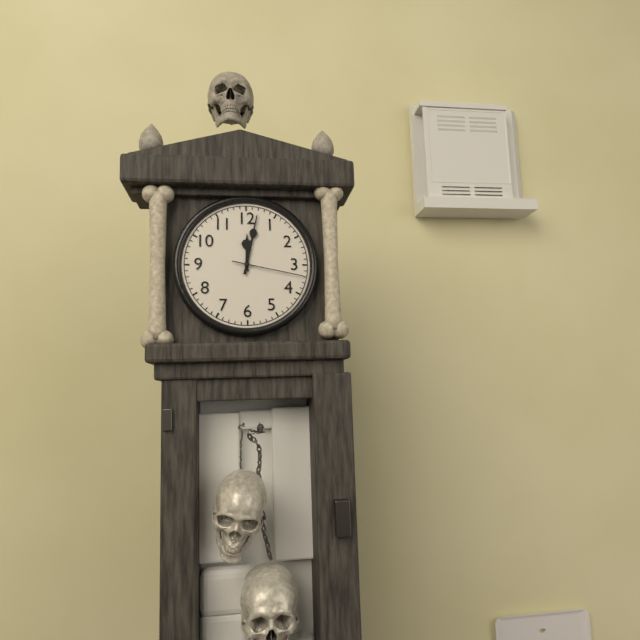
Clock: 12:02:17
